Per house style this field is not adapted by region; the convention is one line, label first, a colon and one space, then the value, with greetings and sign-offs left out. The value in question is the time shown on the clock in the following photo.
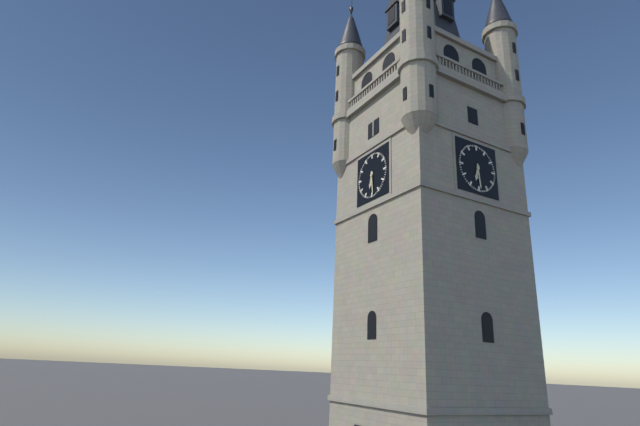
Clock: 6:29
